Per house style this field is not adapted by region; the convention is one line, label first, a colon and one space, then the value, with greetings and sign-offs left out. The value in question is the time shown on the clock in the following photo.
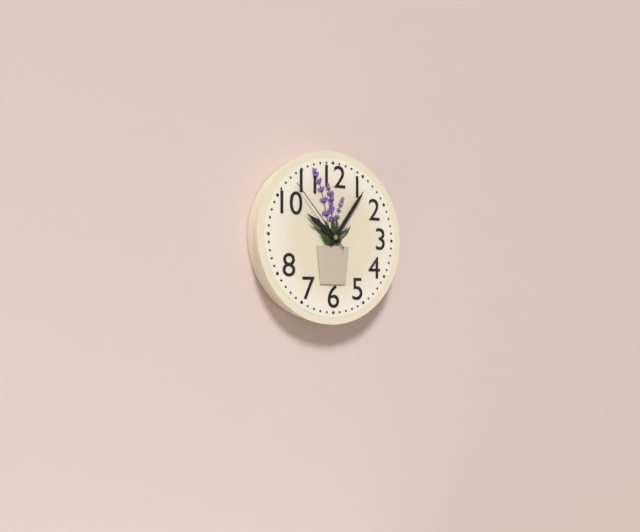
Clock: 10:06:53
